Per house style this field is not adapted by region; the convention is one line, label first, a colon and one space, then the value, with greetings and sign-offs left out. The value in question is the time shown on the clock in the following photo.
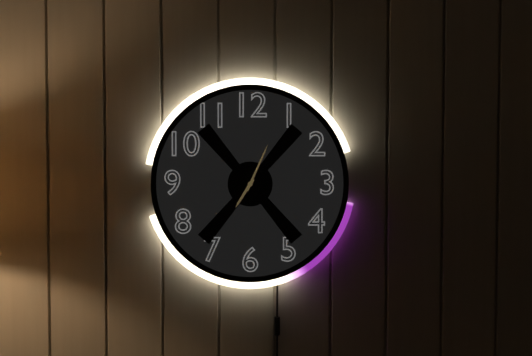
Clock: 7:04
